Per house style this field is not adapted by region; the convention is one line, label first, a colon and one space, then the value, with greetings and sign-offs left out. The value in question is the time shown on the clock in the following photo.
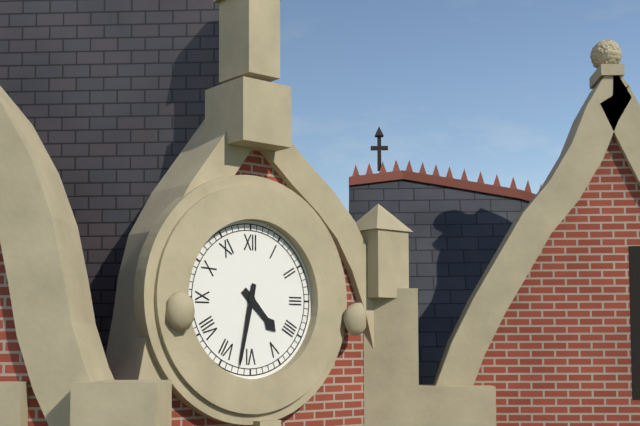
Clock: 4:32
